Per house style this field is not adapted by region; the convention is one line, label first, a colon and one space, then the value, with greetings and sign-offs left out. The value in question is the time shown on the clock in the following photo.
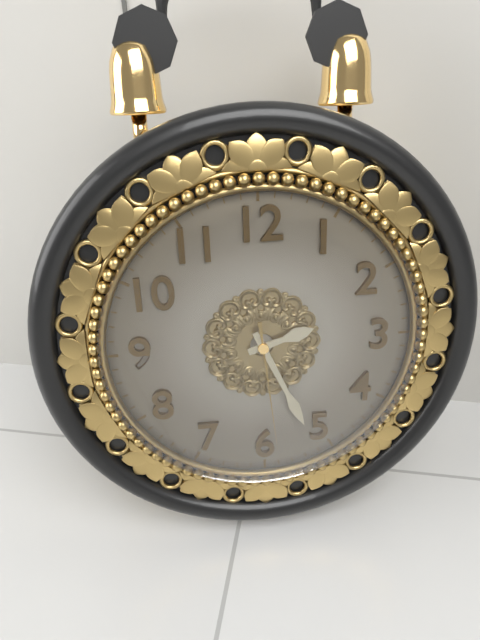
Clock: 2:26:29
